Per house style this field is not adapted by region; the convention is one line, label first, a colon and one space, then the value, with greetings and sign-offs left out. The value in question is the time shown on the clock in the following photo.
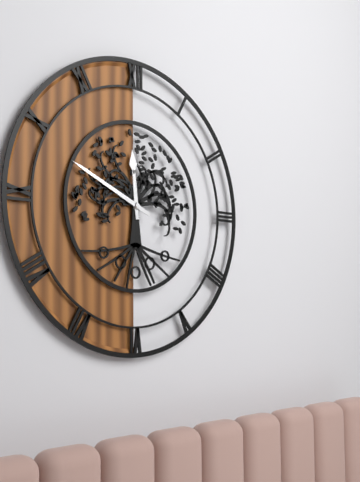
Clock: 11:49
